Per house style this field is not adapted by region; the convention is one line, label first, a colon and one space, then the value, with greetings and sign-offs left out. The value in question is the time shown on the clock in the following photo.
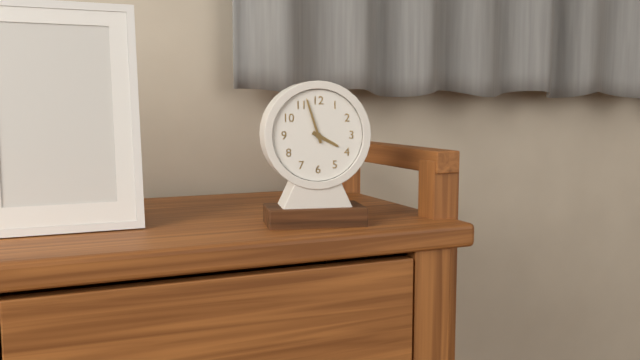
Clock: 3:57
